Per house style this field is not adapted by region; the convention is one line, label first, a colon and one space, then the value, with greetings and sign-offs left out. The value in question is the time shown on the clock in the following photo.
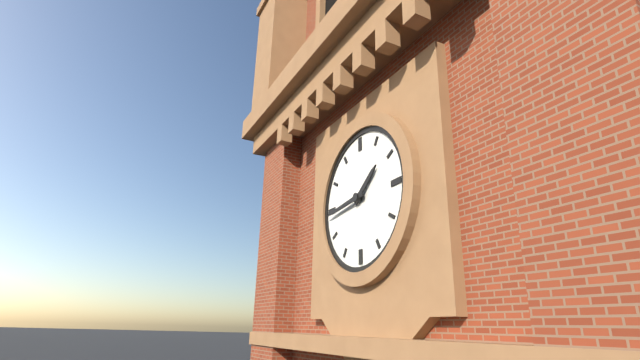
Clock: 1:44
